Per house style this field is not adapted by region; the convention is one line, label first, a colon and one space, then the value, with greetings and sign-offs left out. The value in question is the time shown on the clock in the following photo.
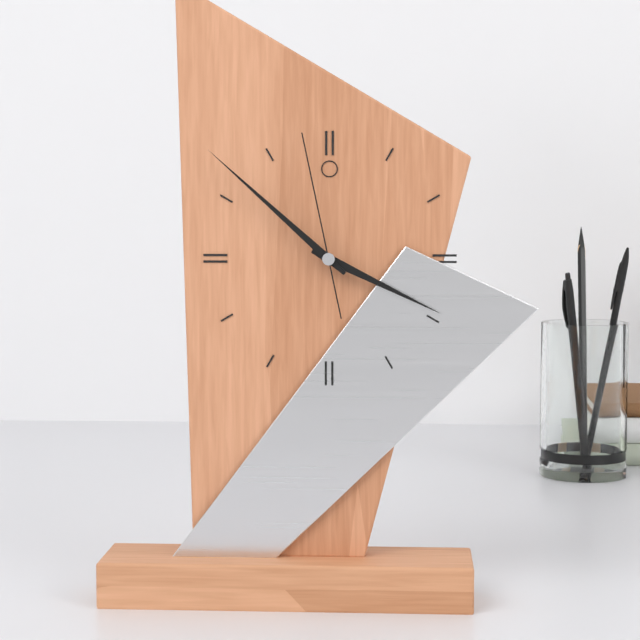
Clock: 3:52:58
